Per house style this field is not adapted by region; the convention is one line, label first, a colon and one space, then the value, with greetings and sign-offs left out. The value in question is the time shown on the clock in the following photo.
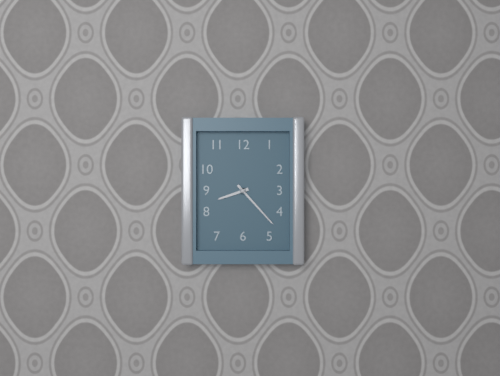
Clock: 8:23
